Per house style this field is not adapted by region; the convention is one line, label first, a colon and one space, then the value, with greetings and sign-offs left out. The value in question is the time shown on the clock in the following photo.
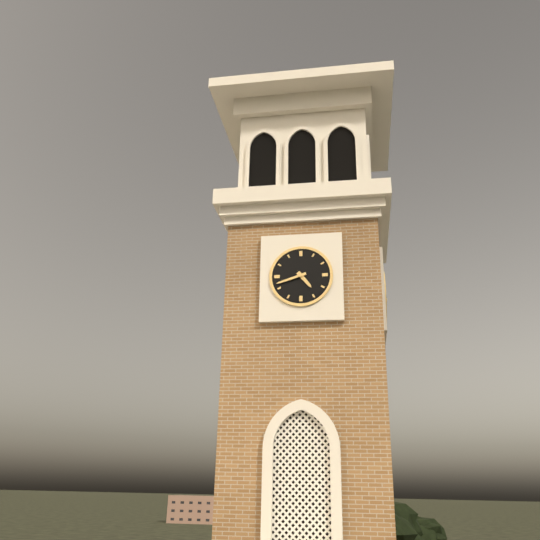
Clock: 4:42
